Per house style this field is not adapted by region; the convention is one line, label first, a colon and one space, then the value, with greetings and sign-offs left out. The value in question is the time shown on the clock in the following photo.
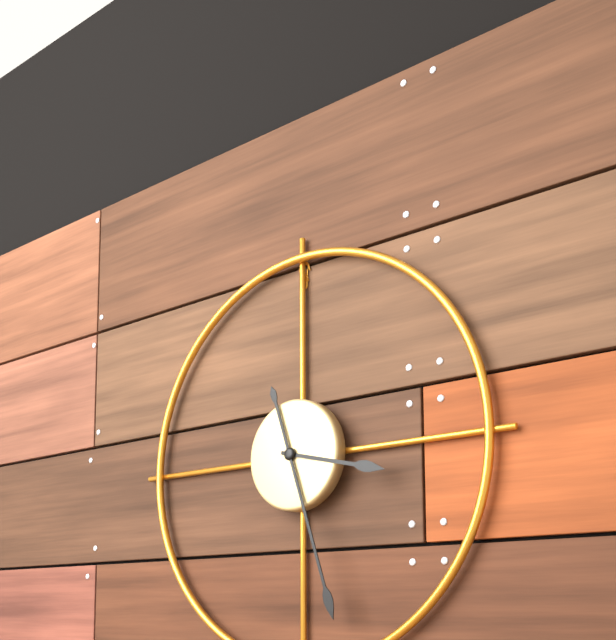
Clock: 3:27
